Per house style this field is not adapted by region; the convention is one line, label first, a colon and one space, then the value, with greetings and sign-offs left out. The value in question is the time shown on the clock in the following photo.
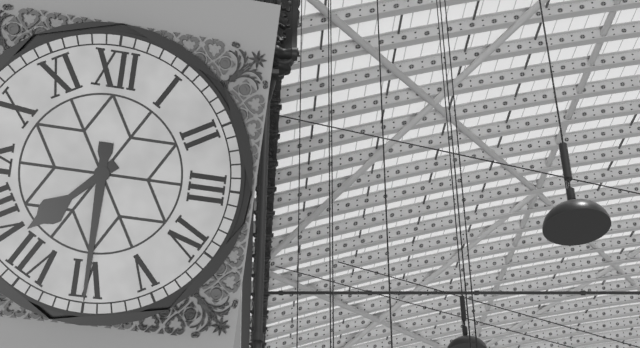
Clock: 7:30
